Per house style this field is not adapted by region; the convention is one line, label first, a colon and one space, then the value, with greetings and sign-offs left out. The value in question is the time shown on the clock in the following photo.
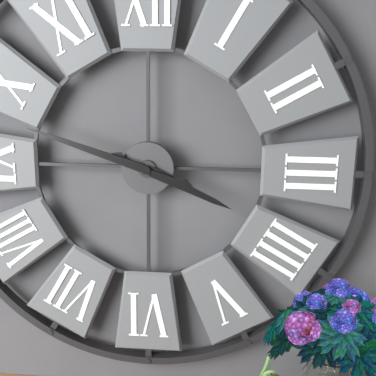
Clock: 3:48
